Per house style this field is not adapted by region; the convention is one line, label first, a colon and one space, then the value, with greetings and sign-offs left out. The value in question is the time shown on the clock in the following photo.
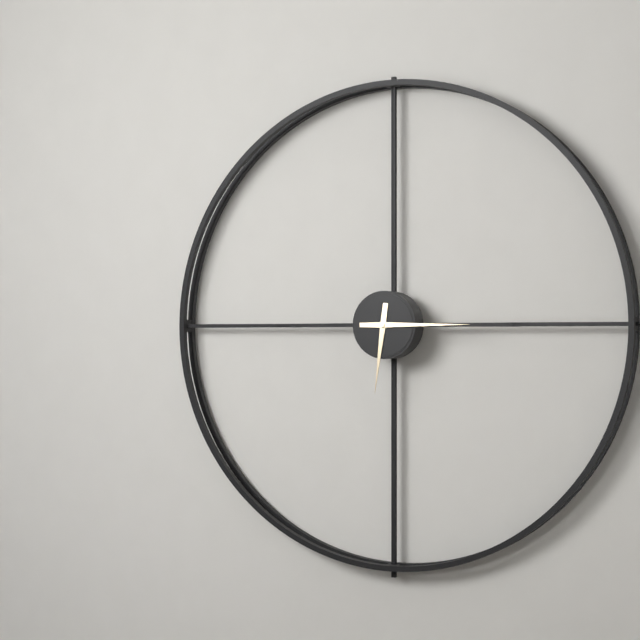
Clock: 6:15
